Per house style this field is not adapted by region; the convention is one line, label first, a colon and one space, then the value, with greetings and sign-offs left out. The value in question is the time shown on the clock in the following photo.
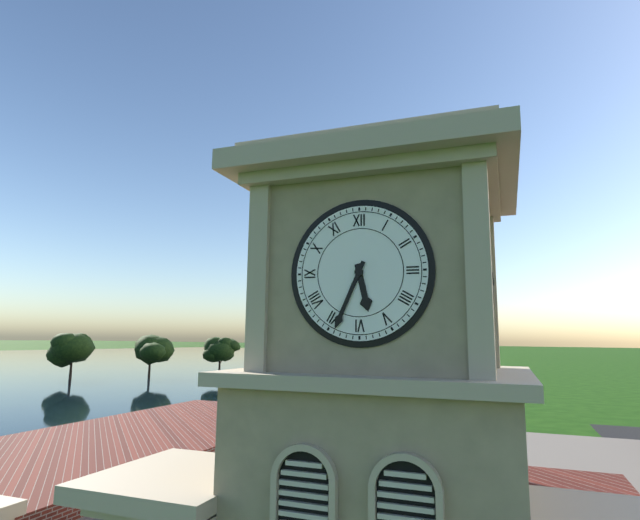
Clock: 5:34
